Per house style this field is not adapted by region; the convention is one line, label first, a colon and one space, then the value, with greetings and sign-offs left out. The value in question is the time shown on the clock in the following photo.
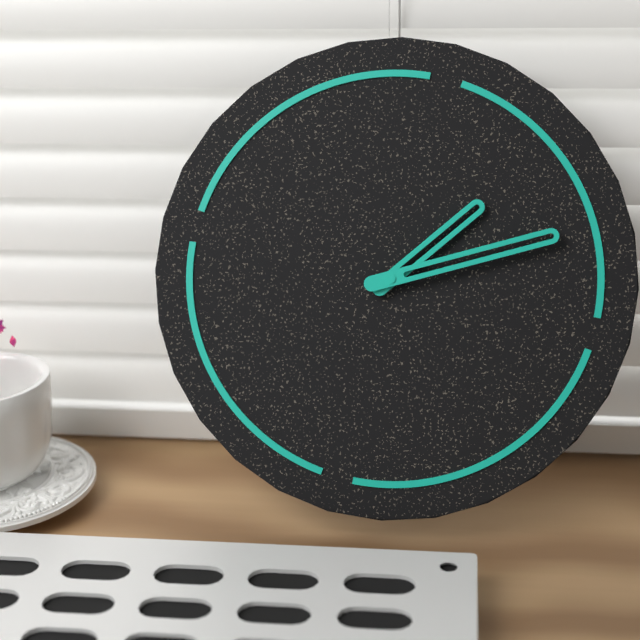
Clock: 1:10
